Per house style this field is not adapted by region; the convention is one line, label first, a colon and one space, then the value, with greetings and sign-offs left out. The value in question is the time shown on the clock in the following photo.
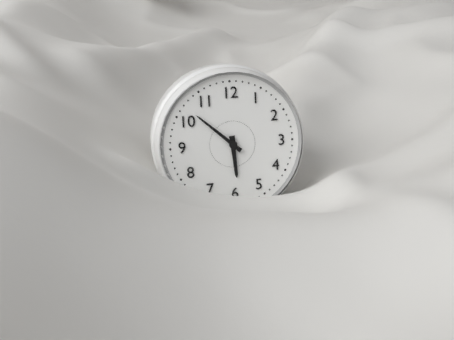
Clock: 5:52
